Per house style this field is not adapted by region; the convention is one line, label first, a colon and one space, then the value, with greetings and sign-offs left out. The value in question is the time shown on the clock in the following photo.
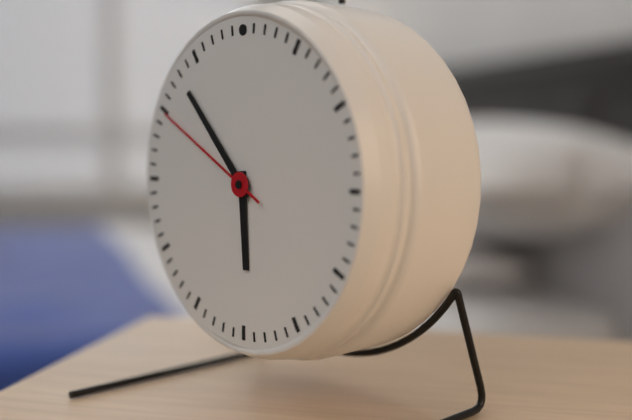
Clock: 5:53:50
